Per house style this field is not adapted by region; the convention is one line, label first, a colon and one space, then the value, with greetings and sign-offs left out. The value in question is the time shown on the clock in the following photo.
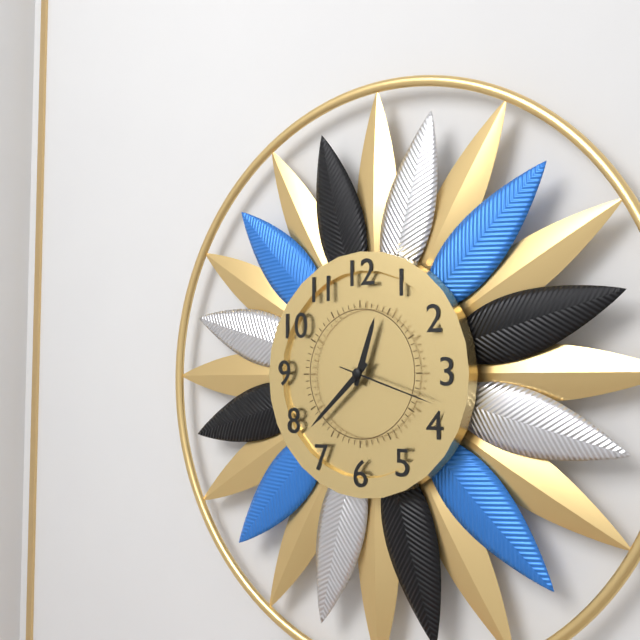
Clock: 12:38:18
